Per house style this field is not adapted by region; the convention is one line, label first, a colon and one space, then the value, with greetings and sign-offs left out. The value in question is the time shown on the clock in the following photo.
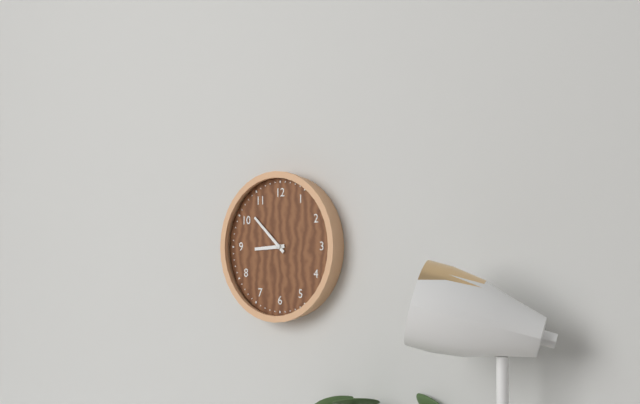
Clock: 8:52
